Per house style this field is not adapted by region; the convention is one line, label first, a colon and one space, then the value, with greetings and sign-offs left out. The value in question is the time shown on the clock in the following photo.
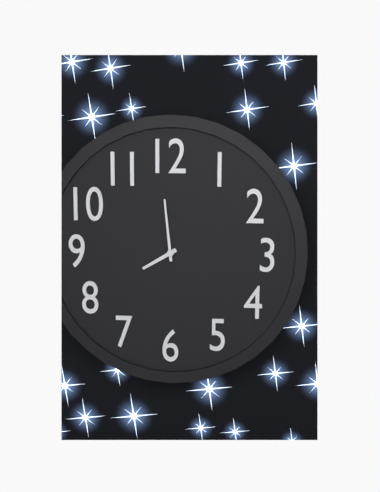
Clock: 7:59
